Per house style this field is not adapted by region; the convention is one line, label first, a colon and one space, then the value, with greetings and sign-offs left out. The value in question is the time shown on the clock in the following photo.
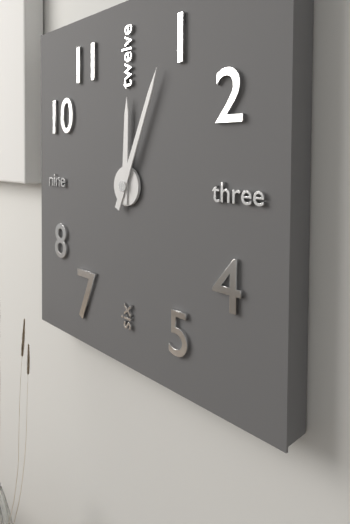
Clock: 12:04
